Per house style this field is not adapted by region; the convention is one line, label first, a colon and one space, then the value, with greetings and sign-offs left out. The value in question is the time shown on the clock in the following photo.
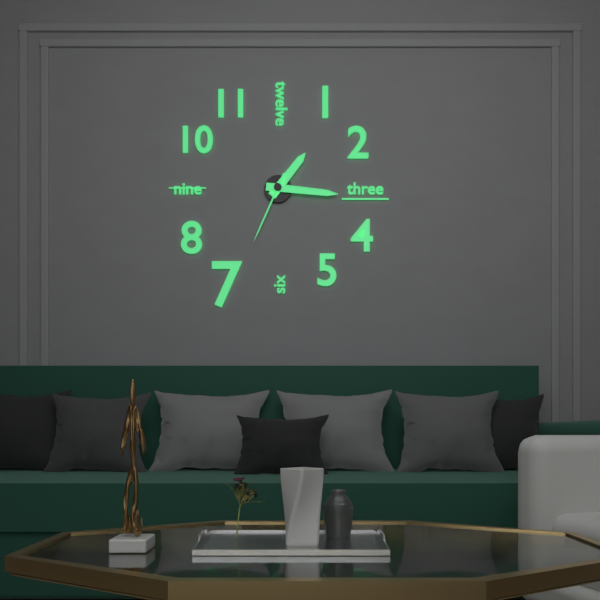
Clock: 1:16:34
